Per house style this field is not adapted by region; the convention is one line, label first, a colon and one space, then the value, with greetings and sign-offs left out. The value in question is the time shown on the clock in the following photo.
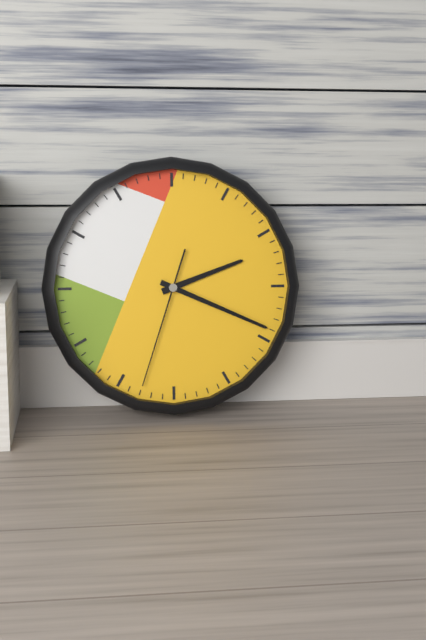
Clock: 2:19:33
